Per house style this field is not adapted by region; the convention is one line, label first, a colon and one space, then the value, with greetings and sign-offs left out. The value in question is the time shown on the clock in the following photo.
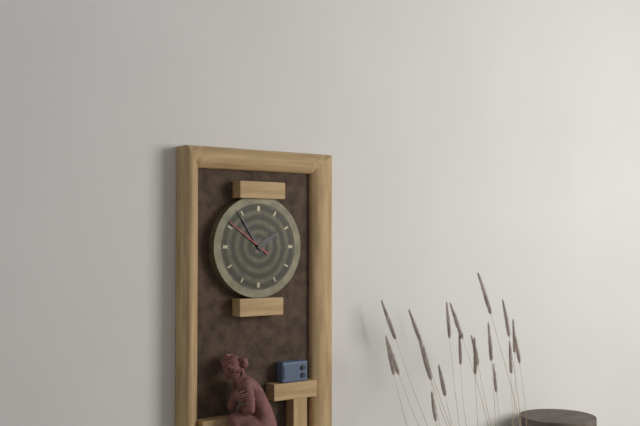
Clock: 1:54
